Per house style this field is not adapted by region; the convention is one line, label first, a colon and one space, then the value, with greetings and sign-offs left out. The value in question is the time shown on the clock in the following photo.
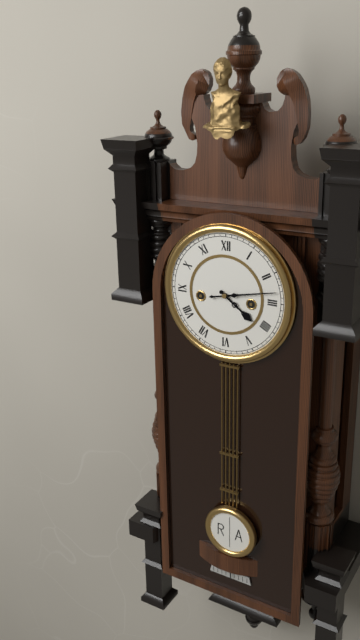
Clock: 4:13
